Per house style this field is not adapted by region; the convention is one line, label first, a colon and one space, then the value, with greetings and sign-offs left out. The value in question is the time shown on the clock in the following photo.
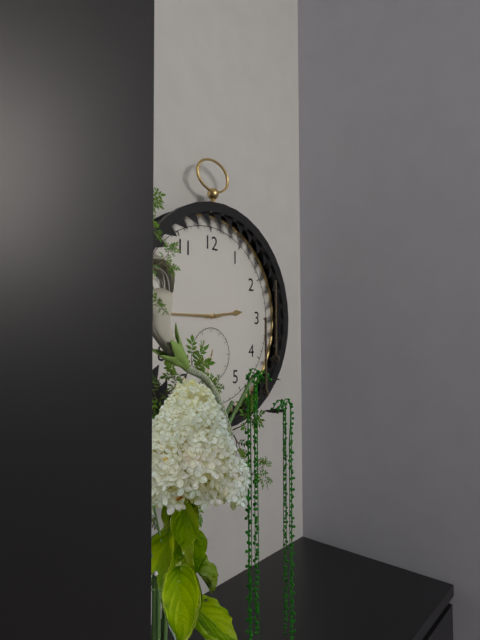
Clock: 2:45
